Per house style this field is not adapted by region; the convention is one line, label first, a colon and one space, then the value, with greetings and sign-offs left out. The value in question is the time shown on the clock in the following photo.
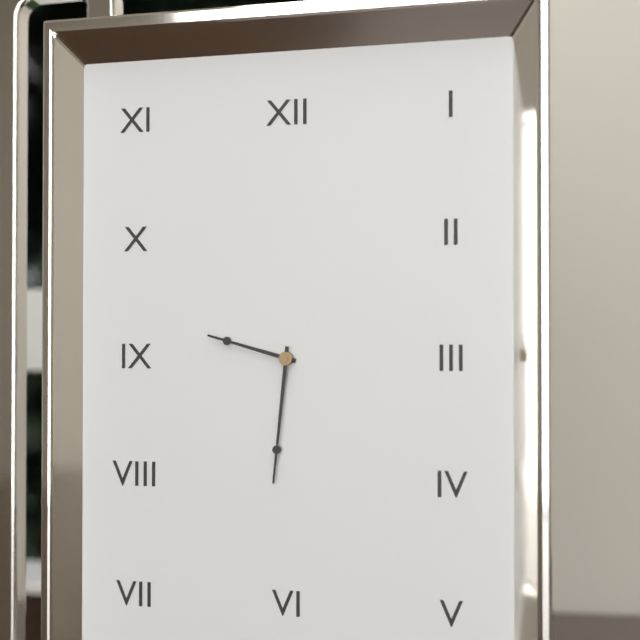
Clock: 9:31
